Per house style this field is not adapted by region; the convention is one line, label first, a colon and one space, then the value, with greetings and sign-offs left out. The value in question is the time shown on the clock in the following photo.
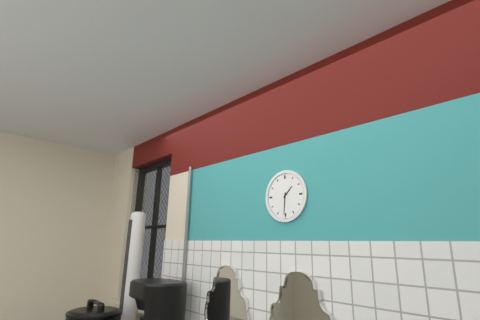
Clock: 1:31
